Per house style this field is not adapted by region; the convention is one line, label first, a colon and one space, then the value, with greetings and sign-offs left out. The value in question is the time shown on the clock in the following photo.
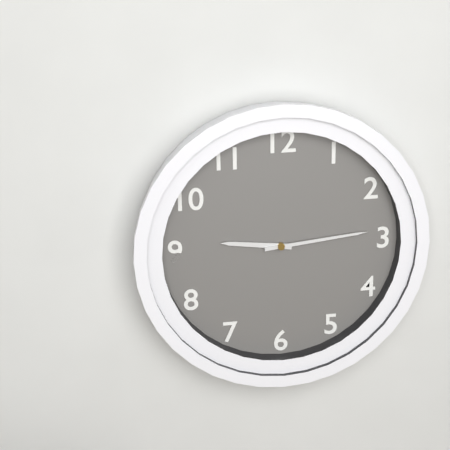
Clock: 9:14
